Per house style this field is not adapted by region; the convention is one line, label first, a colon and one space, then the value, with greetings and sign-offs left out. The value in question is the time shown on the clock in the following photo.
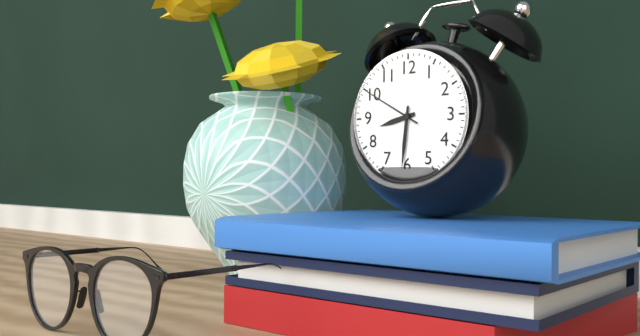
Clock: 8:31:50
